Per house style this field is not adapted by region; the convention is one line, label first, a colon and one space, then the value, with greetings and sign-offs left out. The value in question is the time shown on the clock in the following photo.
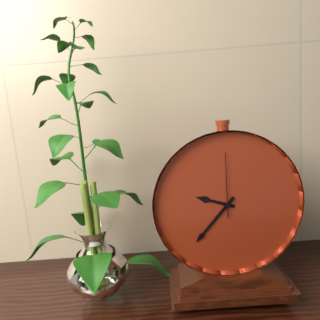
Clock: 9:37:00
